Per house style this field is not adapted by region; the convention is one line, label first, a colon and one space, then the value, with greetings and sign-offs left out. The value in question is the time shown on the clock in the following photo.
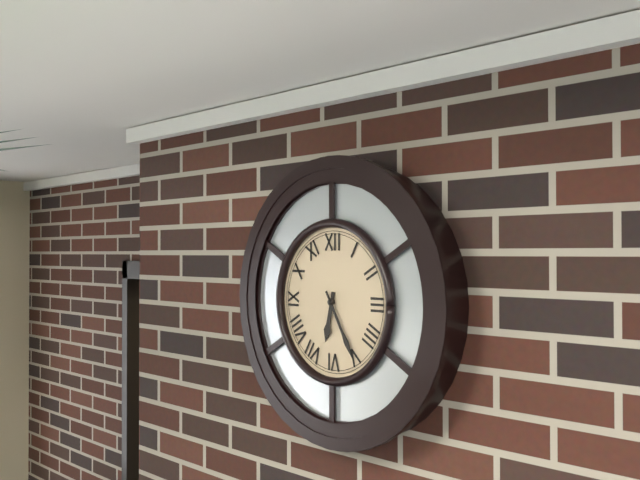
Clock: 6:25
